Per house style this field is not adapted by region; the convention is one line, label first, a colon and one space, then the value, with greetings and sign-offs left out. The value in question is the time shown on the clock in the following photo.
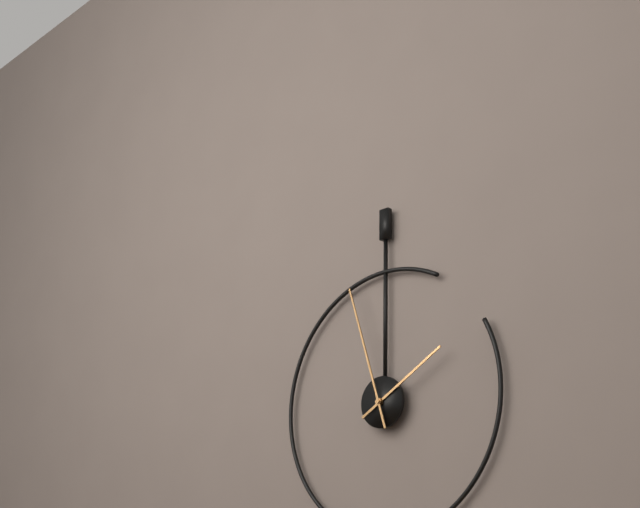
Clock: 1:57
